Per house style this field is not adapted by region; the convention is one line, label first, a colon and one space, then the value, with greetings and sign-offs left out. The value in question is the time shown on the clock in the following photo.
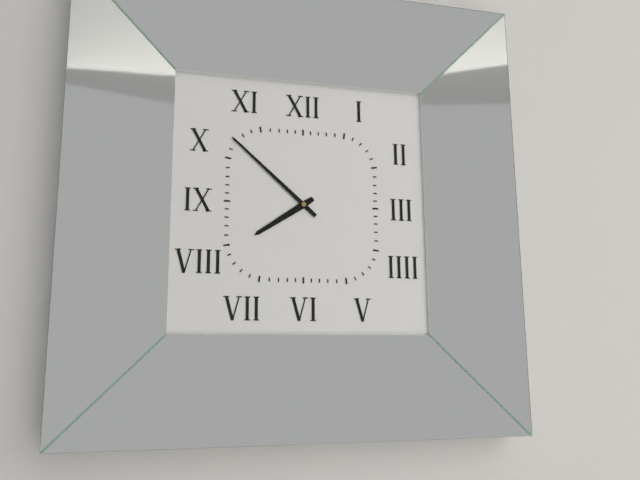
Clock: 7:52
